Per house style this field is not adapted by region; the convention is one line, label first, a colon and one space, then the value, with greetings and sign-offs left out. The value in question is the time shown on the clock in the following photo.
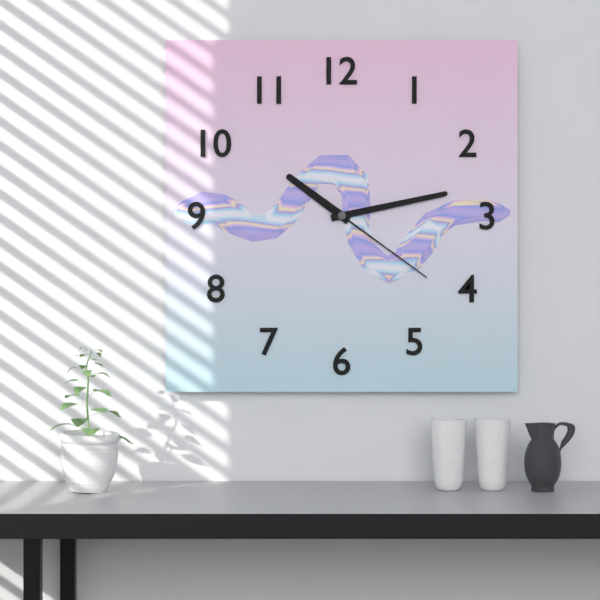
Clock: 10:13:21
